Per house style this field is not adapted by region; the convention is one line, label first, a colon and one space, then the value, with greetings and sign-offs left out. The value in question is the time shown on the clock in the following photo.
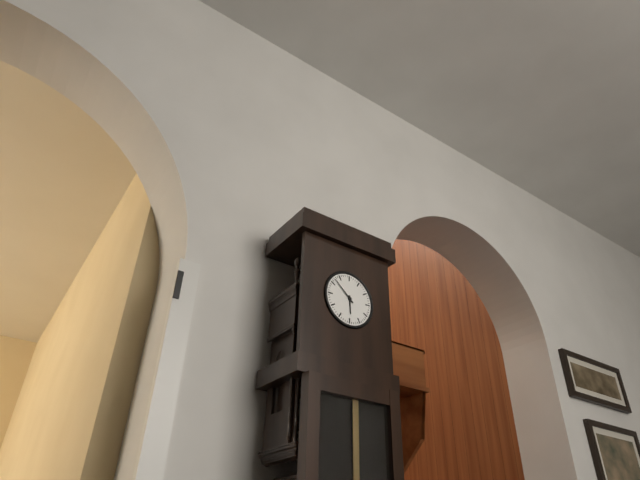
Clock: 5:52
